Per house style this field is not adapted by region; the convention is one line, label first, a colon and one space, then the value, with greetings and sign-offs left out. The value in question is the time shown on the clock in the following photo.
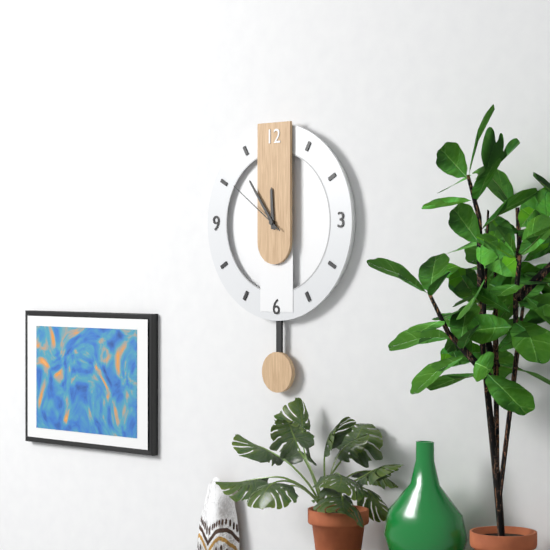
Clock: 11:54:51
